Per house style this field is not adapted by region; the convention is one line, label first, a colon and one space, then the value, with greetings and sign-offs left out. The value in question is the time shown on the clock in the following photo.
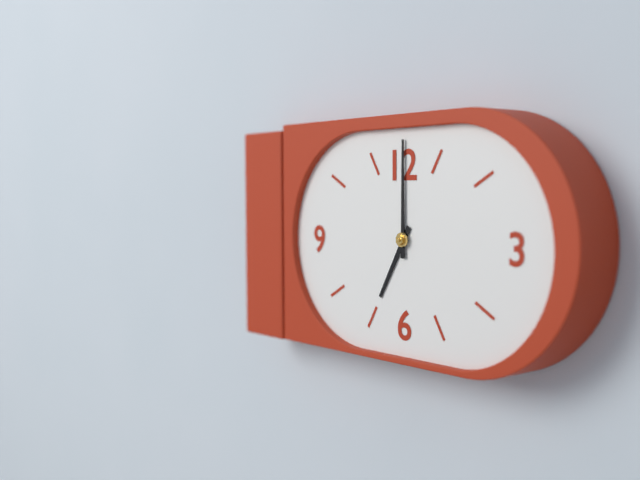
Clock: 7:00
